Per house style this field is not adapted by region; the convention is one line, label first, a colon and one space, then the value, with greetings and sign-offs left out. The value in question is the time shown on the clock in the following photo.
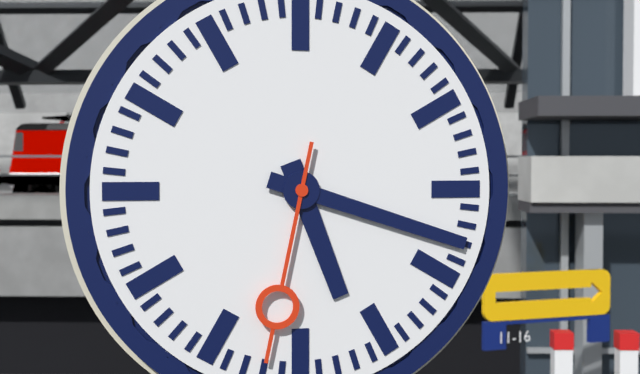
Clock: 5:18:32
